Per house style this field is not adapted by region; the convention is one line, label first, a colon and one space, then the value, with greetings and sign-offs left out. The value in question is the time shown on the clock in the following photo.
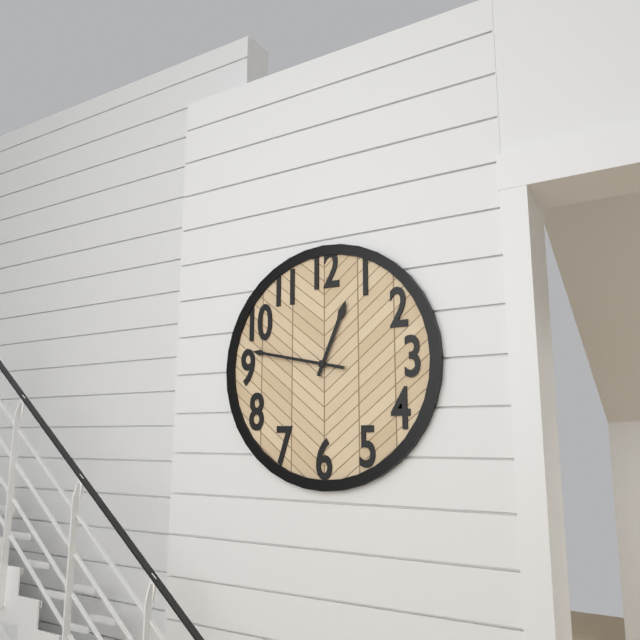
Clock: 12:47
